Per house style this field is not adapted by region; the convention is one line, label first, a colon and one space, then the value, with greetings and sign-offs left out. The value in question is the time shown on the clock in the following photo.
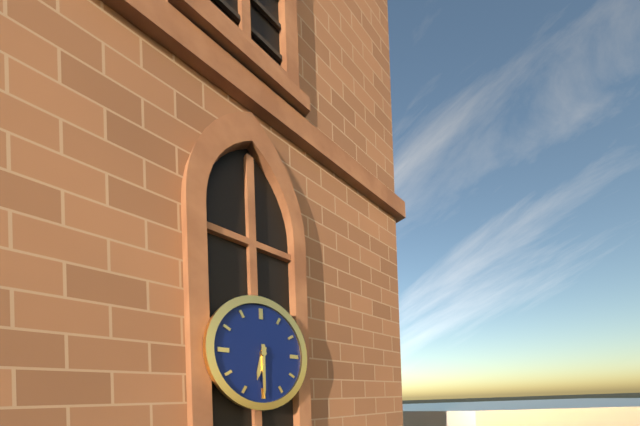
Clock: 6:30
